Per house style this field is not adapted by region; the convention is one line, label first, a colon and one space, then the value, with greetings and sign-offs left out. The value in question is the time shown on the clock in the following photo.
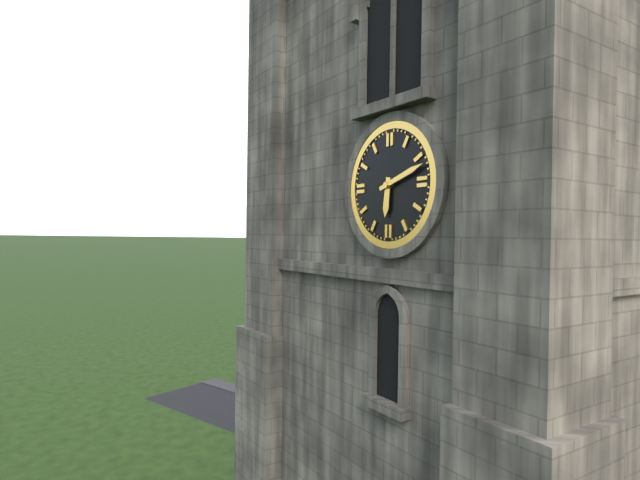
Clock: 6:12
